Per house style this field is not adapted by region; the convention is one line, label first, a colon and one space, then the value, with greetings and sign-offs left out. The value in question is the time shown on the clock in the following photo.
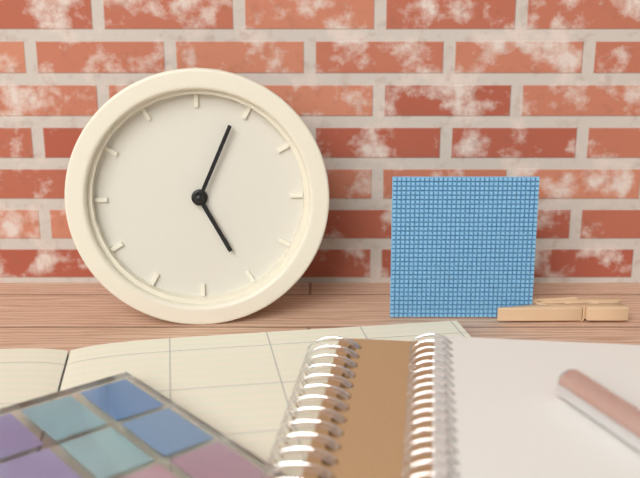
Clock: 5:04
